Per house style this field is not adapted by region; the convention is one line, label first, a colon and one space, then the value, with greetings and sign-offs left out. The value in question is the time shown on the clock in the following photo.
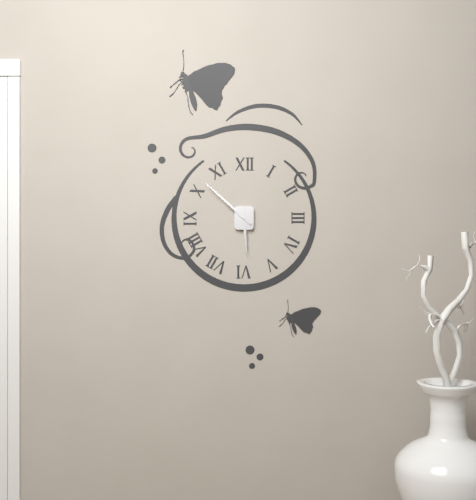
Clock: 5:52
